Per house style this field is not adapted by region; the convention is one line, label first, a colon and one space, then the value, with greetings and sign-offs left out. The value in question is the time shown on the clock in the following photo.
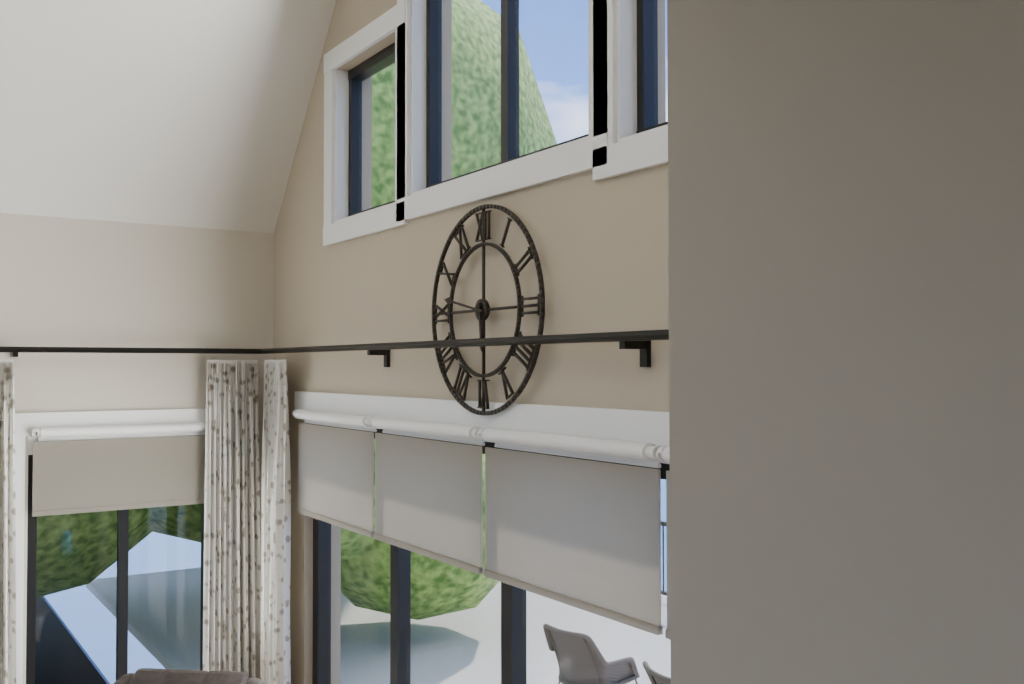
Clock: 5:47
